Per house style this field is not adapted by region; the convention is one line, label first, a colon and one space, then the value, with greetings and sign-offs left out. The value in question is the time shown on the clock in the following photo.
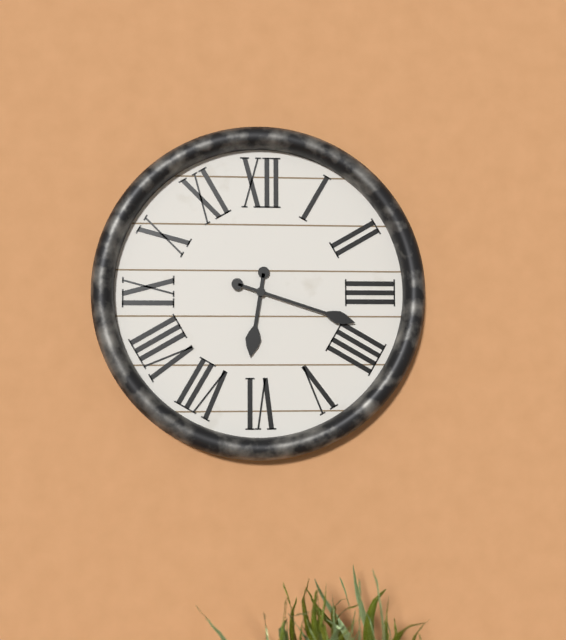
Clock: 6:18
